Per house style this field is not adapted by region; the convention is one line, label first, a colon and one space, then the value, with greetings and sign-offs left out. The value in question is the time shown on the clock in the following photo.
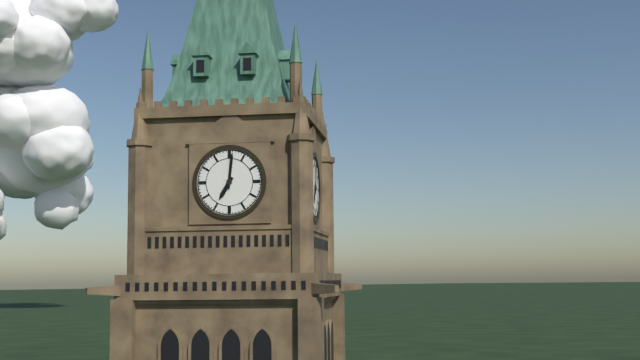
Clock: 7:01
